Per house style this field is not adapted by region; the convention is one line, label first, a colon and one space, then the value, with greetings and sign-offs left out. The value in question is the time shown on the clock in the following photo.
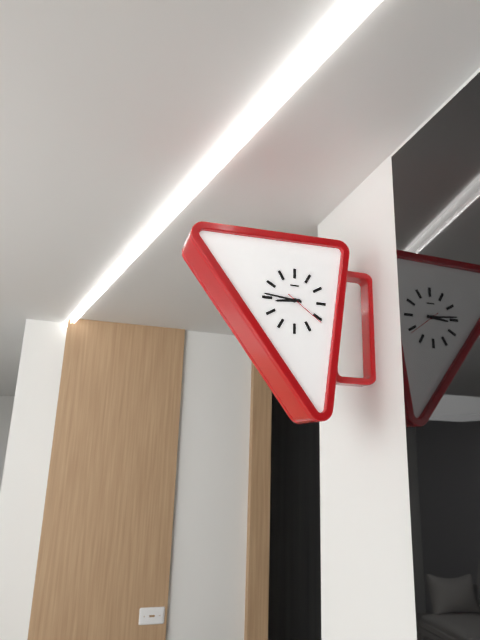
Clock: 8:46
